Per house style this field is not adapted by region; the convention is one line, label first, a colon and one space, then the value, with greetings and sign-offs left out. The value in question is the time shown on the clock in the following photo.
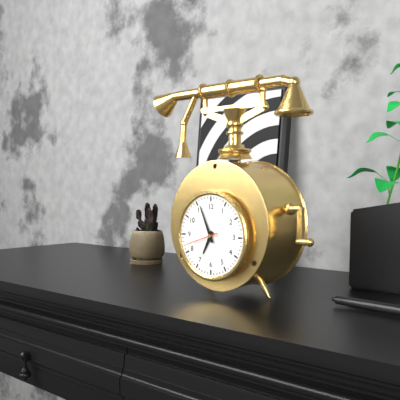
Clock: 6:56
